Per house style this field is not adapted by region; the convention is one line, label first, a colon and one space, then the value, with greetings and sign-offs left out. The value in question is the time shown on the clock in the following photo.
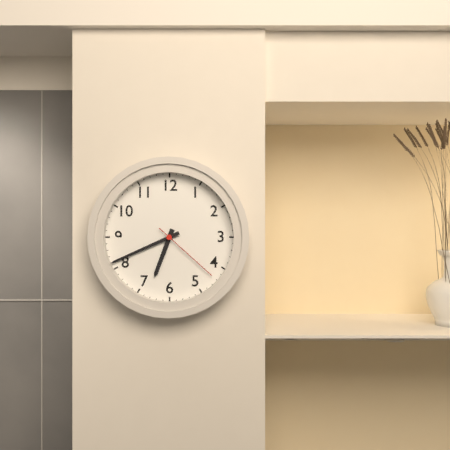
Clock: 6:41:22
